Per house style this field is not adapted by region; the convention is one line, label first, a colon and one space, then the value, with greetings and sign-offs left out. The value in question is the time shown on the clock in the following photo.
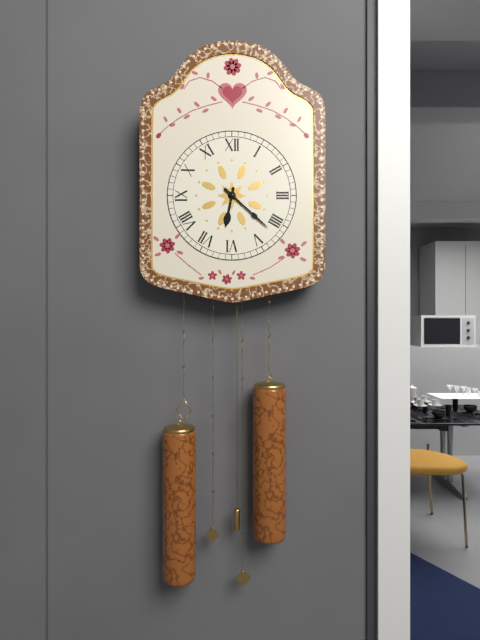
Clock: 6:22
